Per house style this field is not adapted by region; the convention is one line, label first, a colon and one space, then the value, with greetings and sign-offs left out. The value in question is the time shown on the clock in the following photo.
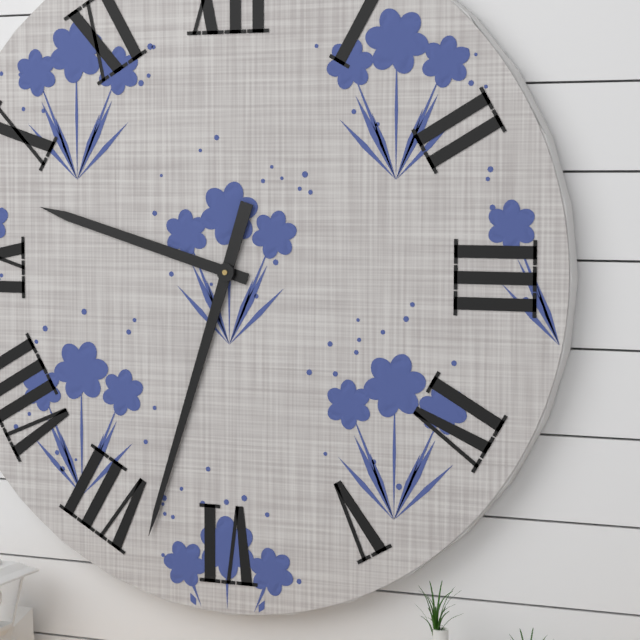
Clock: 9:33
